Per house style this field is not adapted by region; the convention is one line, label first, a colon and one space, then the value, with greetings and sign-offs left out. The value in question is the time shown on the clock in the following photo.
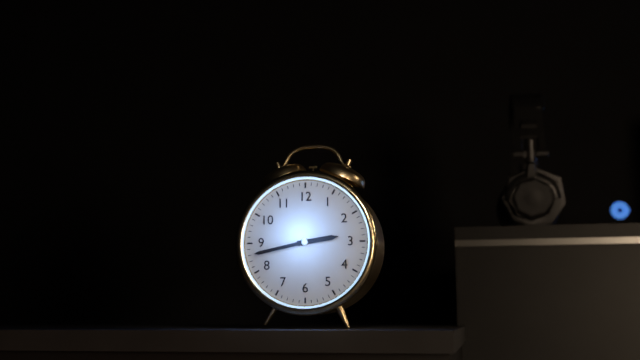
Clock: 2:43
